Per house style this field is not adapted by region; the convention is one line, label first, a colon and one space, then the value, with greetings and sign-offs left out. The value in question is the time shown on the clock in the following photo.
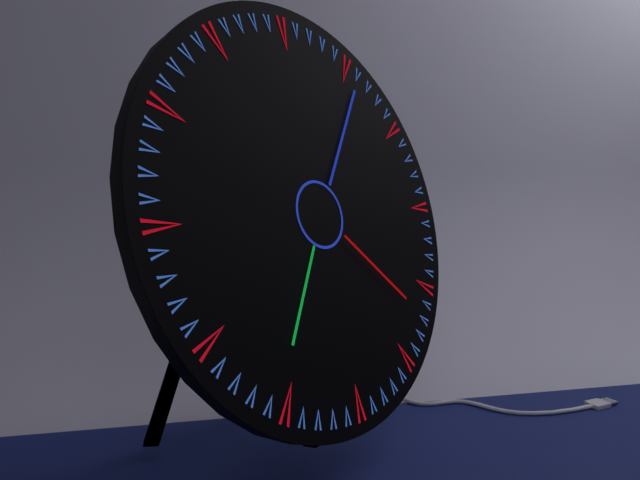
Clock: 7:06:22
